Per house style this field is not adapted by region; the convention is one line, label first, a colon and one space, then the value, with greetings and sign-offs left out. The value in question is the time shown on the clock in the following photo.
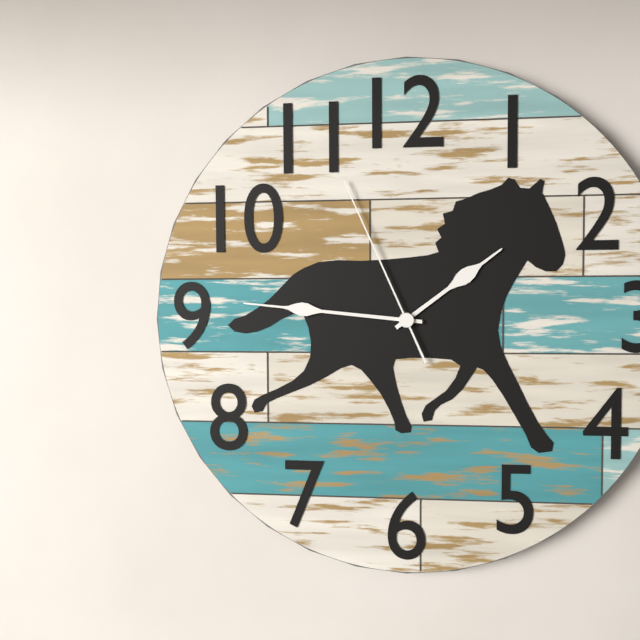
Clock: 1:46:56
